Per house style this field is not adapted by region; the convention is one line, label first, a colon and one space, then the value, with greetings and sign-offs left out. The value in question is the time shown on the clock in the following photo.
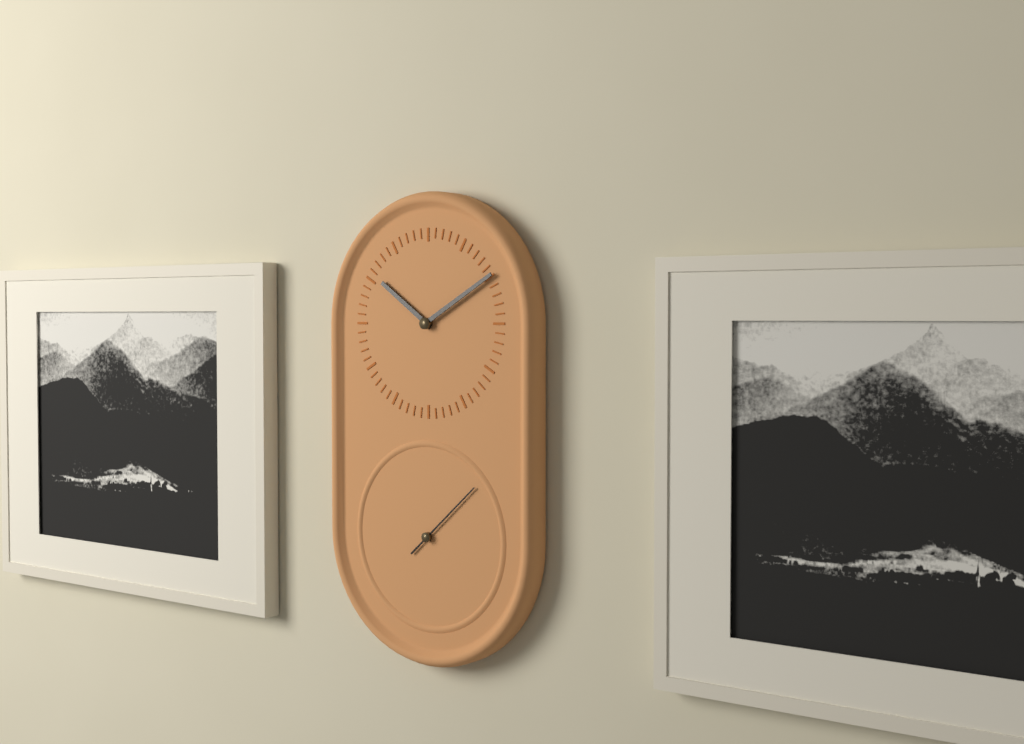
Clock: 10:10:08
